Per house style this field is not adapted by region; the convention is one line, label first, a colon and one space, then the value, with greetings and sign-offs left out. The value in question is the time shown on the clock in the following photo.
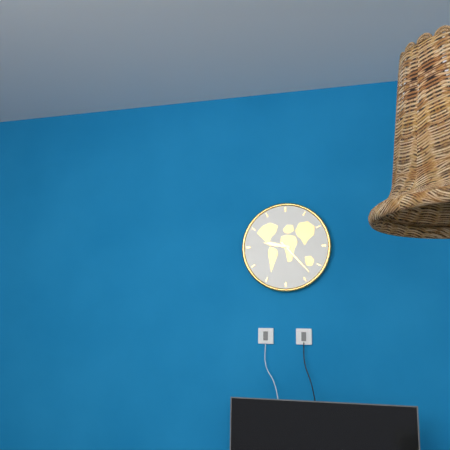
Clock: 9:23
